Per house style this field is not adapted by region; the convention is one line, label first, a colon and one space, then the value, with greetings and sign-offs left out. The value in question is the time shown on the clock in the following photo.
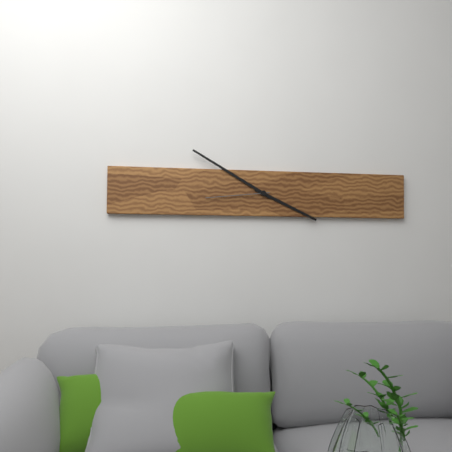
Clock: 3:50:44
